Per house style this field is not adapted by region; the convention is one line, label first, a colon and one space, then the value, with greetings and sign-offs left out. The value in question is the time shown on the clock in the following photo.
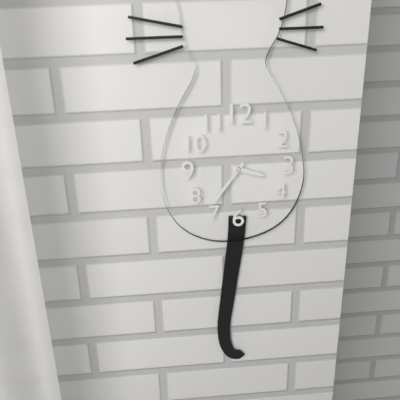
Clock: 3:36
